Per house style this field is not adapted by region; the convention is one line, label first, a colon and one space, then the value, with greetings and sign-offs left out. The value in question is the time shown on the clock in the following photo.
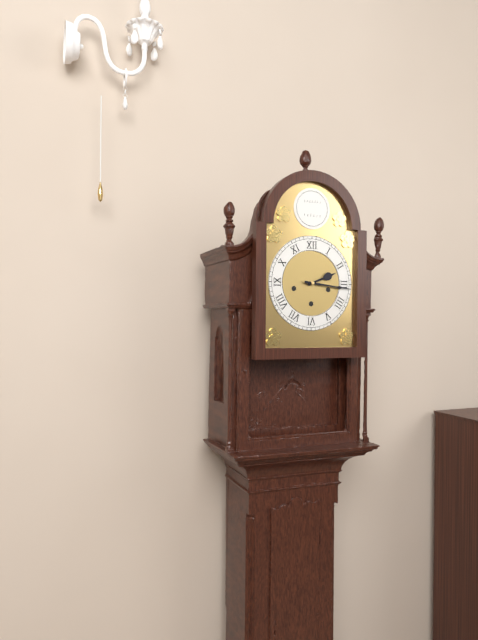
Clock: 2:16
